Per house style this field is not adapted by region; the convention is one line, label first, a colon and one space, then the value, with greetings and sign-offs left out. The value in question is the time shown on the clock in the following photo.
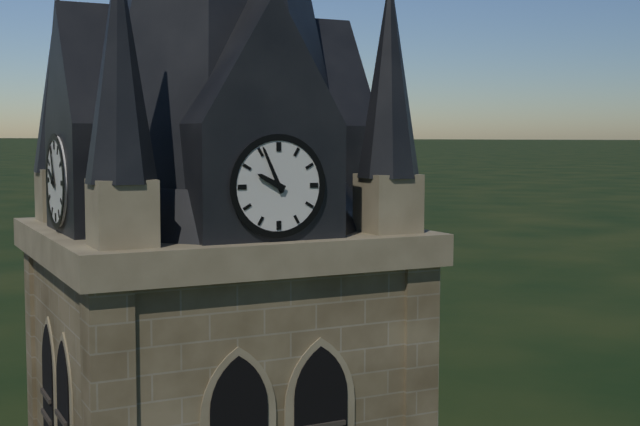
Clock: 9:56
